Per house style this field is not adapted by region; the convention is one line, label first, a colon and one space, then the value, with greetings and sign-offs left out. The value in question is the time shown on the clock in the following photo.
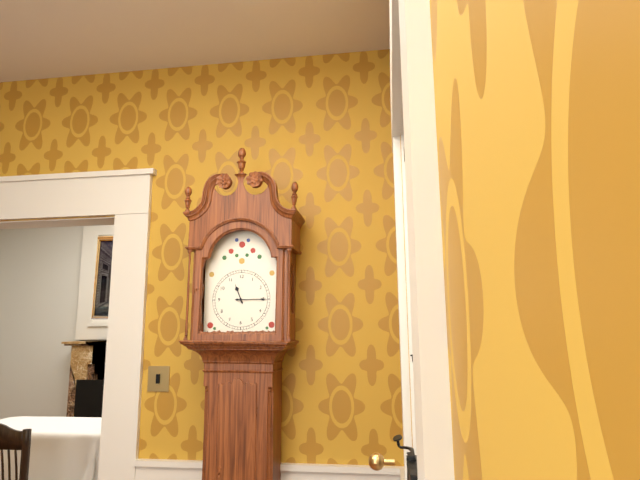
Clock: 11:15
